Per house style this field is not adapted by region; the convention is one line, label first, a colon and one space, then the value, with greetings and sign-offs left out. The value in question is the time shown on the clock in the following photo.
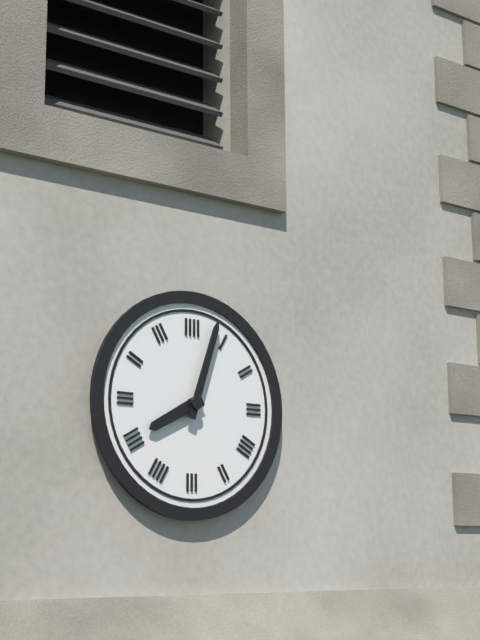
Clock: 8:03
